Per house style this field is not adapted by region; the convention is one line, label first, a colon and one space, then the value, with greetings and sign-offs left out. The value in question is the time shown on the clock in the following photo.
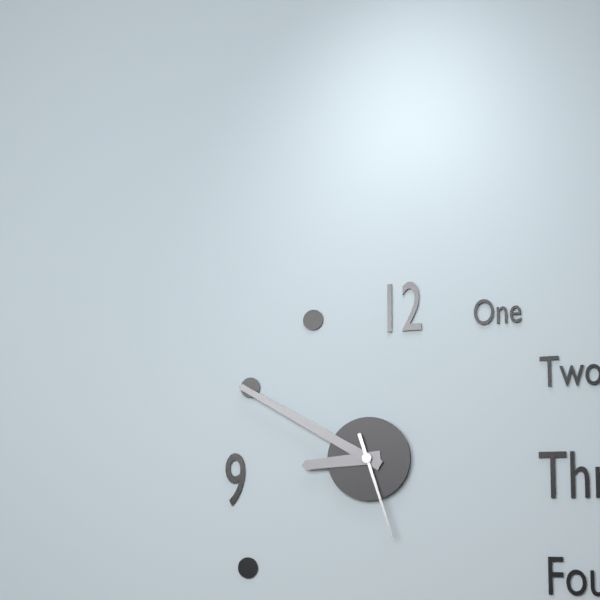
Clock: 8:50:27
